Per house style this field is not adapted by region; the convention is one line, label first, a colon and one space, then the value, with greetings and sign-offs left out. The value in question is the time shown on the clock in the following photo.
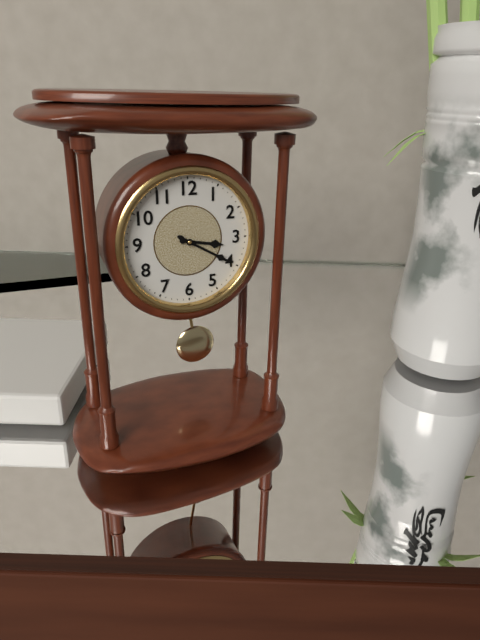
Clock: 3:20
